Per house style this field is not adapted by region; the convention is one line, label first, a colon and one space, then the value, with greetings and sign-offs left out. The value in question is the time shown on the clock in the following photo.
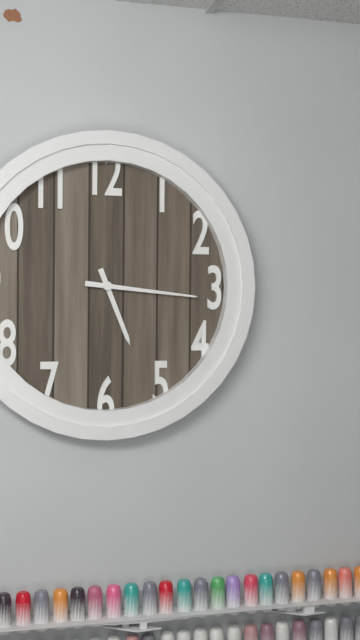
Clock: 5:16
